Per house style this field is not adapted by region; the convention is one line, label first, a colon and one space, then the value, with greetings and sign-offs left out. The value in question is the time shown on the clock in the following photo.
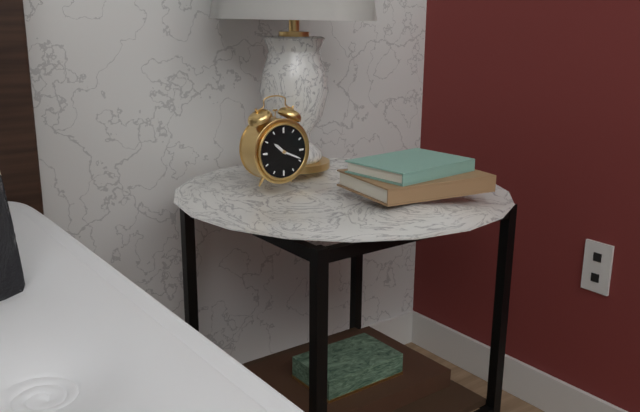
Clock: 10:19
